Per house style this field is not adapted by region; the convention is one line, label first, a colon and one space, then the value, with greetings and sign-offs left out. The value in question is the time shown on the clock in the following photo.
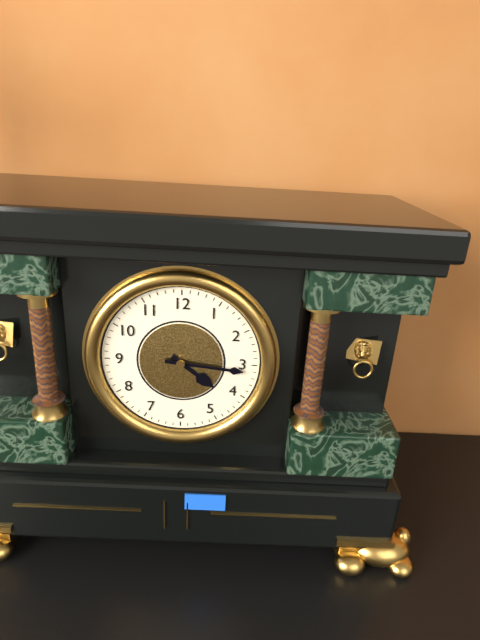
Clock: 4:16
